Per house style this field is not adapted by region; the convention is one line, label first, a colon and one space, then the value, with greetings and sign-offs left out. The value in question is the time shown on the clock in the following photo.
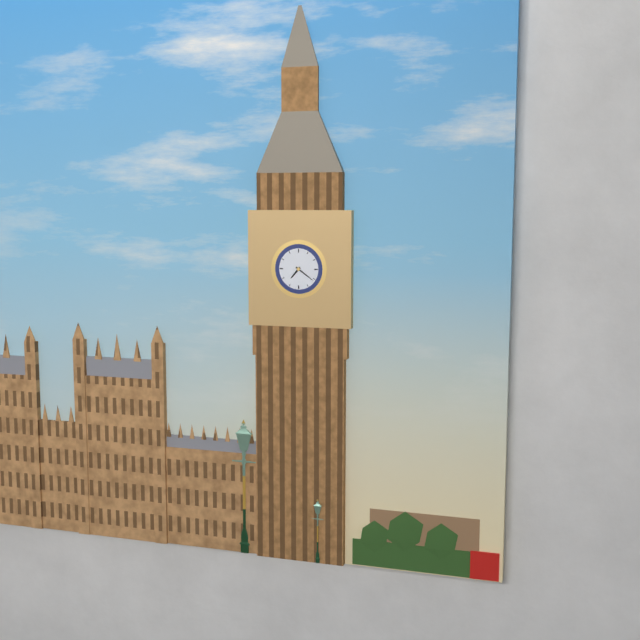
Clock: 7:21
